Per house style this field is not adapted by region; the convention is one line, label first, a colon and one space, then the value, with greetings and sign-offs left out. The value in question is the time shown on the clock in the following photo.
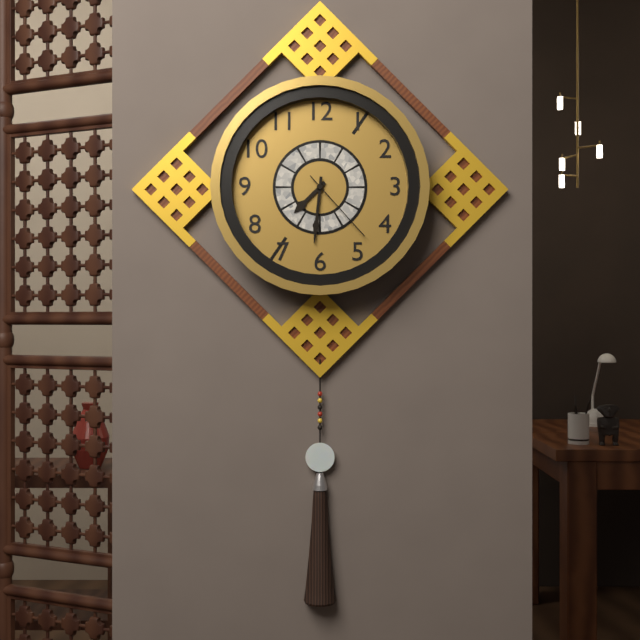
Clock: 7:31:23
